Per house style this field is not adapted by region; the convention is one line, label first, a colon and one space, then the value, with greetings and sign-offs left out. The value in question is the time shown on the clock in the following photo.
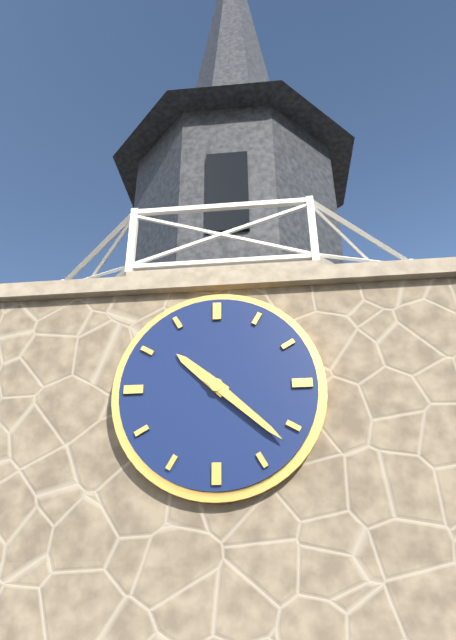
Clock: 10:22
